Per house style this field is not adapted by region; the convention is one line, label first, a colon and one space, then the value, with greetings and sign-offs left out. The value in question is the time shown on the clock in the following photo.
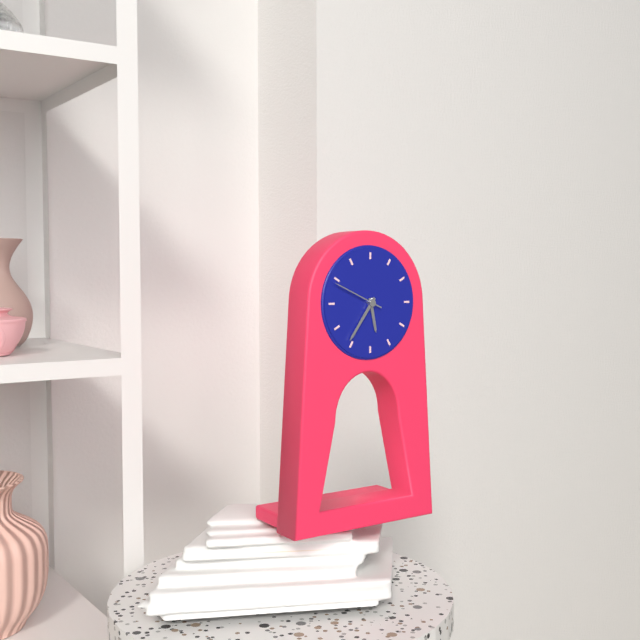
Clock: 5:36
